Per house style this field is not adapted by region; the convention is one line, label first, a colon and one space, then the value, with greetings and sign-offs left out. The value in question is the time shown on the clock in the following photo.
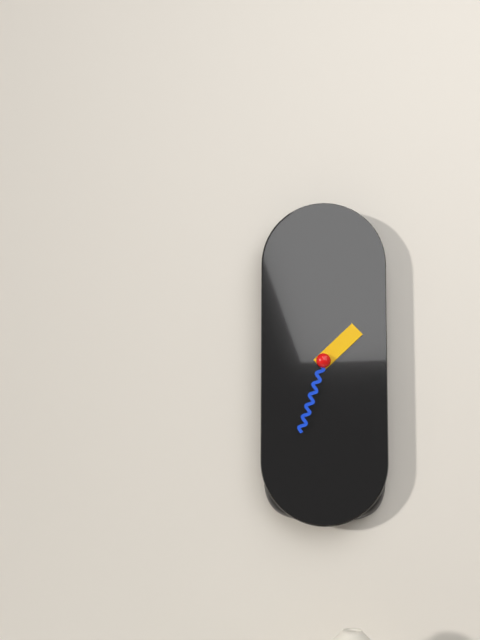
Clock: 1:33
